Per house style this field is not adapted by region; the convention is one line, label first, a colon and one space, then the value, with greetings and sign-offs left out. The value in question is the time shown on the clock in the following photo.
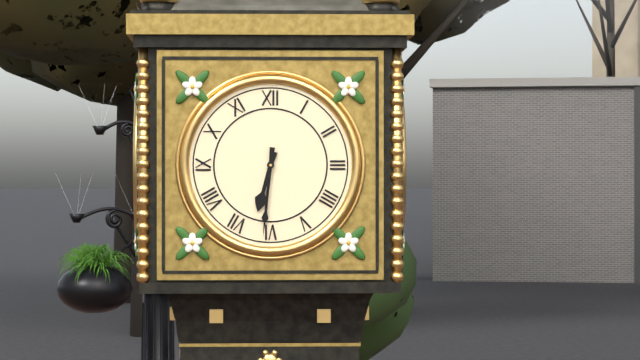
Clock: 6:31
